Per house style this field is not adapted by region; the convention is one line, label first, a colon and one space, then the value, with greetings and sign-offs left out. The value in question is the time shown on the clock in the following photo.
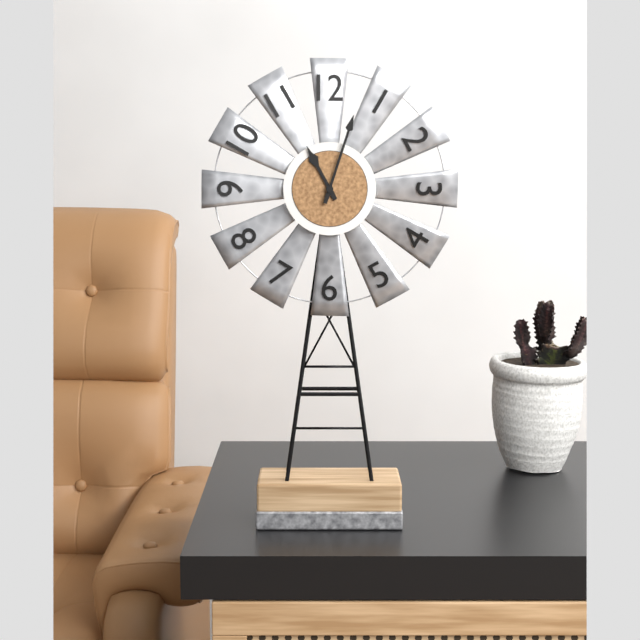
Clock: 11:03
